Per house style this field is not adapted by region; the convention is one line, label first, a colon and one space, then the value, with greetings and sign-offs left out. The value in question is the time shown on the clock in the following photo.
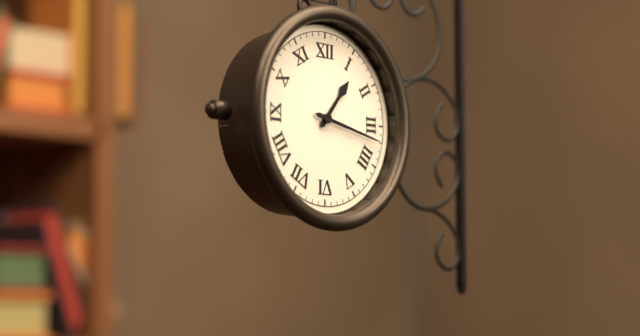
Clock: 1:17
